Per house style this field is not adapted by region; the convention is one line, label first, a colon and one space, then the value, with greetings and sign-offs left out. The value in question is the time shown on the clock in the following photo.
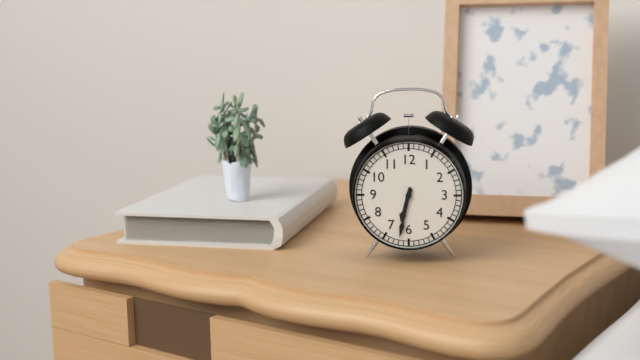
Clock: 6:32
